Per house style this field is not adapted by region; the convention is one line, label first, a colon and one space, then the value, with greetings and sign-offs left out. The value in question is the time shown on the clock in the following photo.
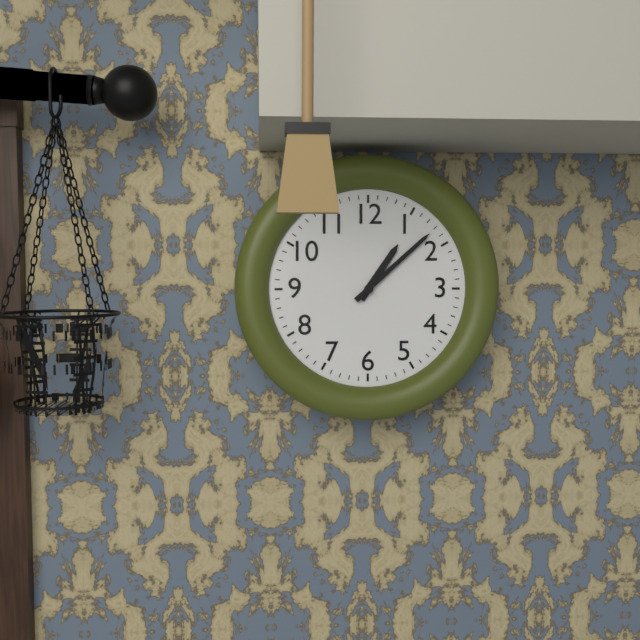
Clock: 1:08
